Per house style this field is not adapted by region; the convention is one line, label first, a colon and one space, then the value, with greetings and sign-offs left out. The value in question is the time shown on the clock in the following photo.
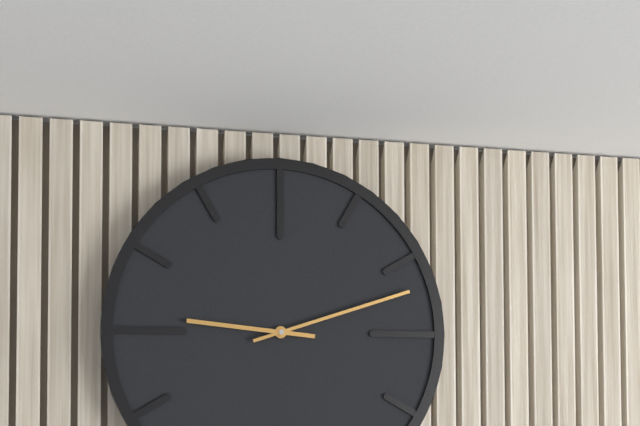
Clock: 9:12
